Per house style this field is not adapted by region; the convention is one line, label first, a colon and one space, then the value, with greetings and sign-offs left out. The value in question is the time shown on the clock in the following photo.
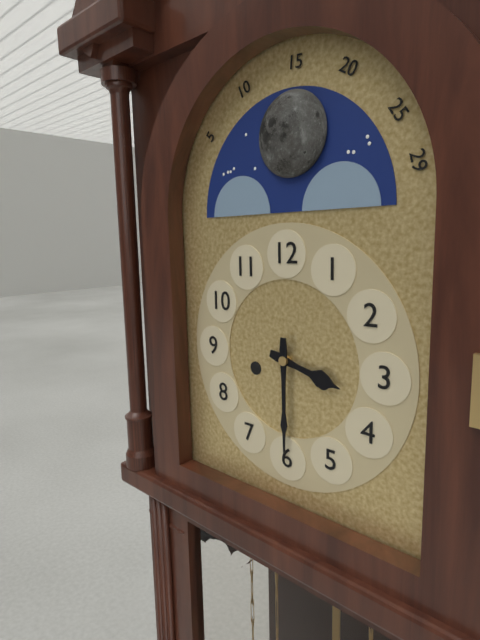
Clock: 3:30
